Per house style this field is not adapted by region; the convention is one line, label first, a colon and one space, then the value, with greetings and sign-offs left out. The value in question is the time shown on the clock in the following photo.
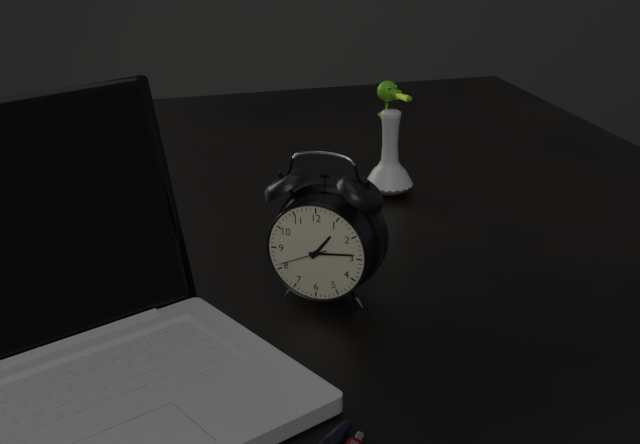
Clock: 1:14:41
